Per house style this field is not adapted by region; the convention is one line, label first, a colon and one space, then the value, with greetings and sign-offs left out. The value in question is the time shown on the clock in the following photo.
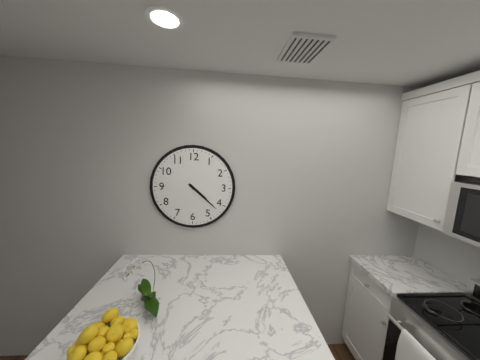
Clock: 4:22
